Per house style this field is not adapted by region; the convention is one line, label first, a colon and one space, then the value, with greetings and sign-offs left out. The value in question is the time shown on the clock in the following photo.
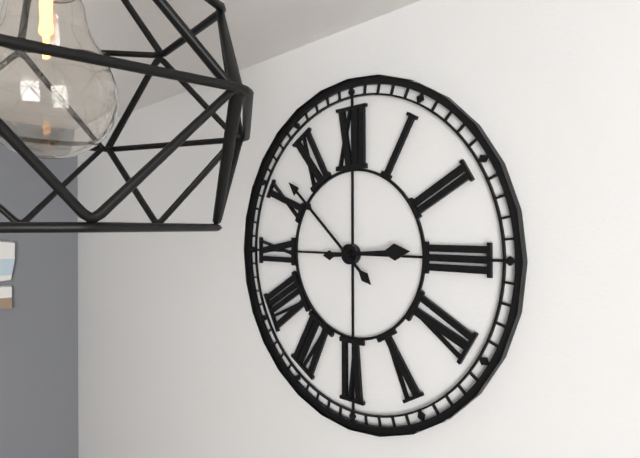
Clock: 2:52
